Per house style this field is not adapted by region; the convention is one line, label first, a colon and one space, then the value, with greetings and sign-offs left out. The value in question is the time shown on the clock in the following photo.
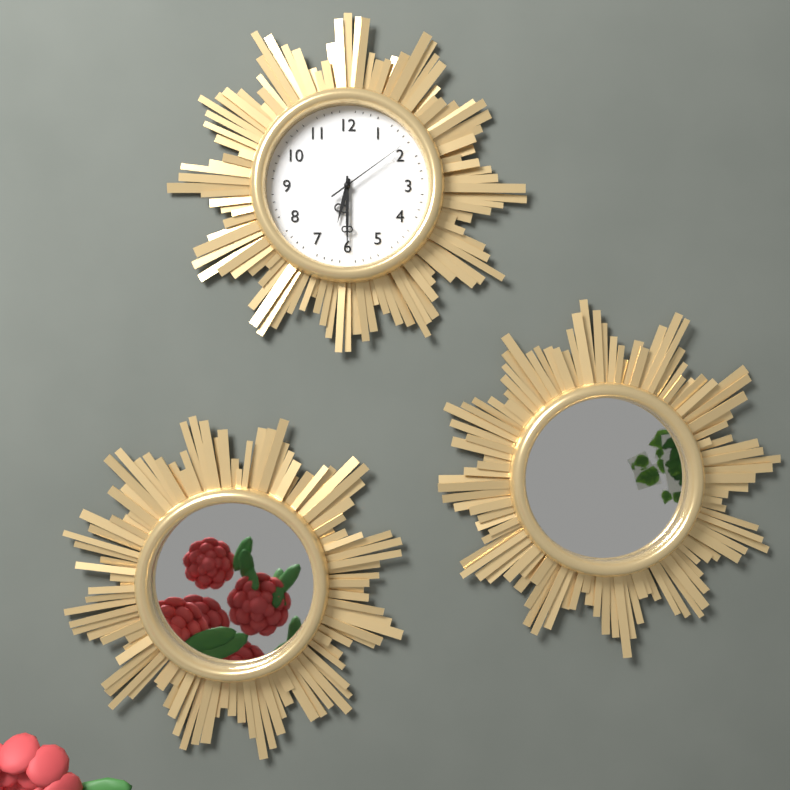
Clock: 6:30:09
